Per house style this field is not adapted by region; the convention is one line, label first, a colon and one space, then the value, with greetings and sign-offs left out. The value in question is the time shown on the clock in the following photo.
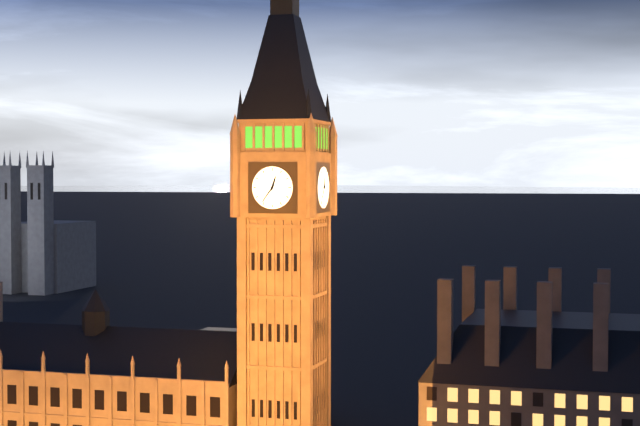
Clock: 12:36
